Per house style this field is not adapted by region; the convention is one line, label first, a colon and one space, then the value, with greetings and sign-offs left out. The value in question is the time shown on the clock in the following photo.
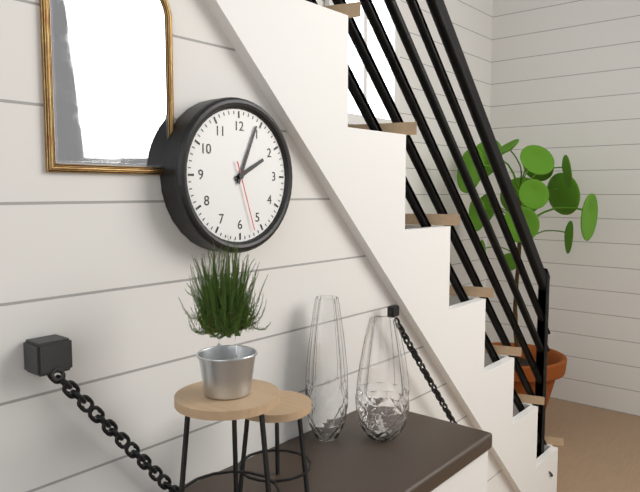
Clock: 2:04:27
